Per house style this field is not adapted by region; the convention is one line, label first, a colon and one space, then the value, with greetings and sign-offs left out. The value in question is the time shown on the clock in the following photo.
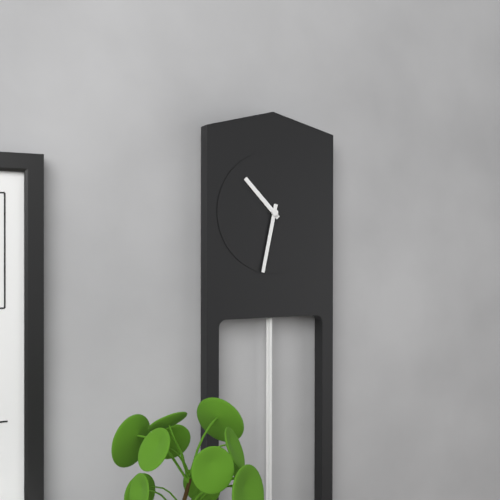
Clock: 10:32
